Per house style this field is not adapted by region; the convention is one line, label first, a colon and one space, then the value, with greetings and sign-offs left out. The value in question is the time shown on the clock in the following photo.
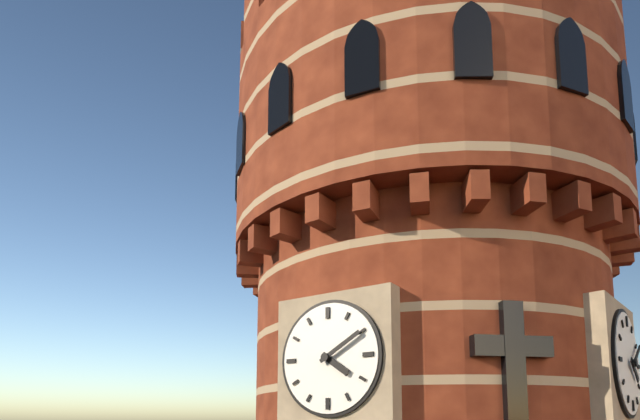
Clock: 4:10
